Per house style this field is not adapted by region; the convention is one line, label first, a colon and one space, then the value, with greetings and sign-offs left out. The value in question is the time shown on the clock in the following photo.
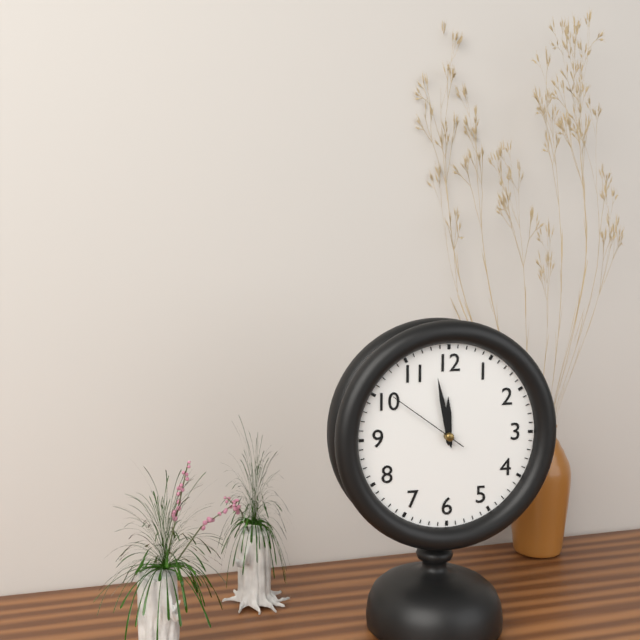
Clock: 11:58:51
